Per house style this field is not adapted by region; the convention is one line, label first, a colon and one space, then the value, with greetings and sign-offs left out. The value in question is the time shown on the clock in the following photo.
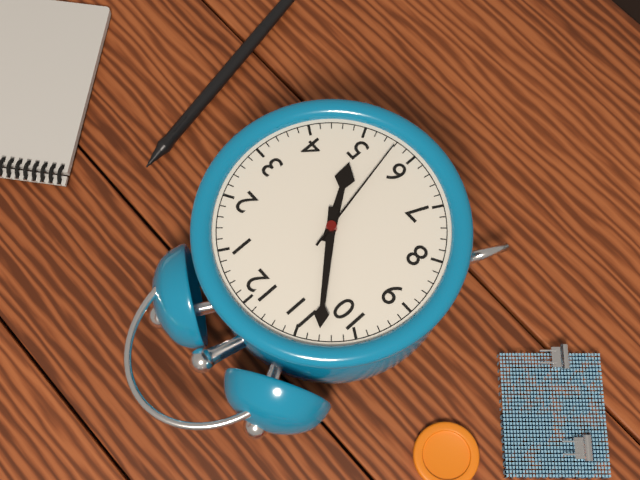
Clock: 4:53:28
